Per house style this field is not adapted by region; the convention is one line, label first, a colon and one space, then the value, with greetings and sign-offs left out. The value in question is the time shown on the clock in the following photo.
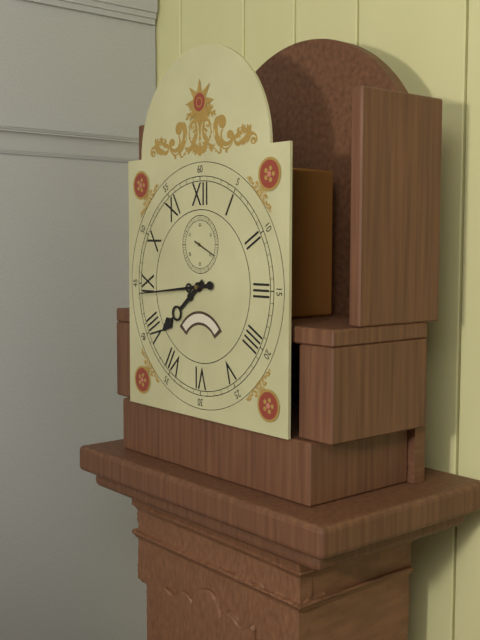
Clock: 7:44
